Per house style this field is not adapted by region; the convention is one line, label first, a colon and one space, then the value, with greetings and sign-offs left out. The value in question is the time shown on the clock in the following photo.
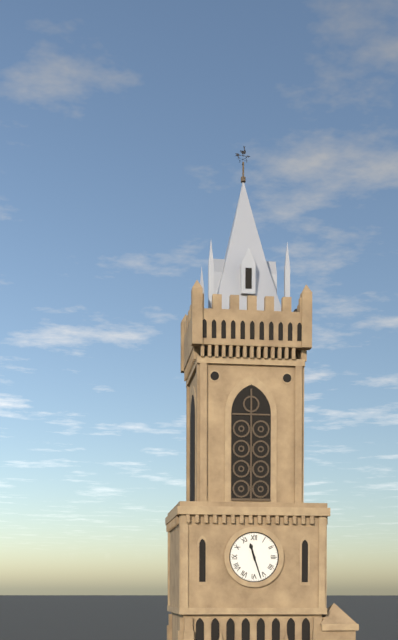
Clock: 11:27
